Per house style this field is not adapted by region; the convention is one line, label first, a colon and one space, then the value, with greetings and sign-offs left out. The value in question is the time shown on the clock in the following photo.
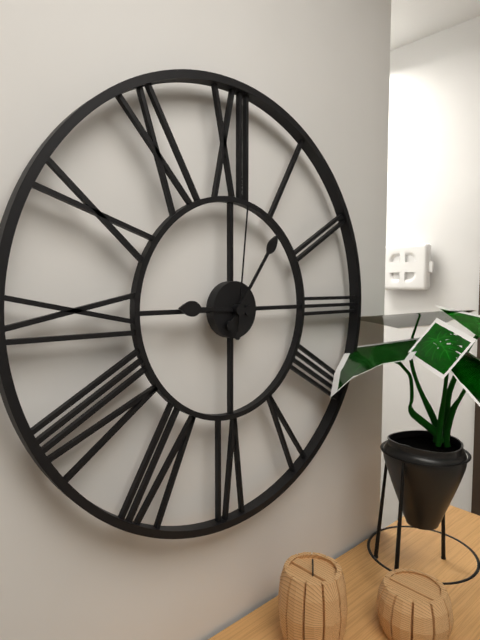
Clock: 9:06:01
